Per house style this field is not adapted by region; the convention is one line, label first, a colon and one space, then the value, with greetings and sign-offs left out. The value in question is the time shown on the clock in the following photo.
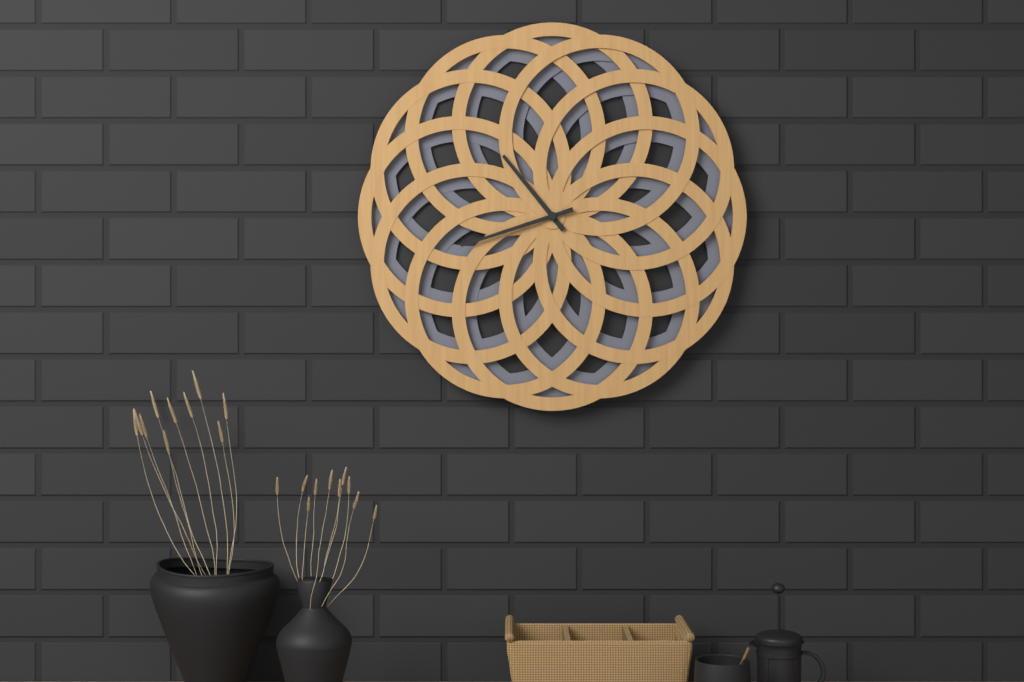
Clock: 10:42
